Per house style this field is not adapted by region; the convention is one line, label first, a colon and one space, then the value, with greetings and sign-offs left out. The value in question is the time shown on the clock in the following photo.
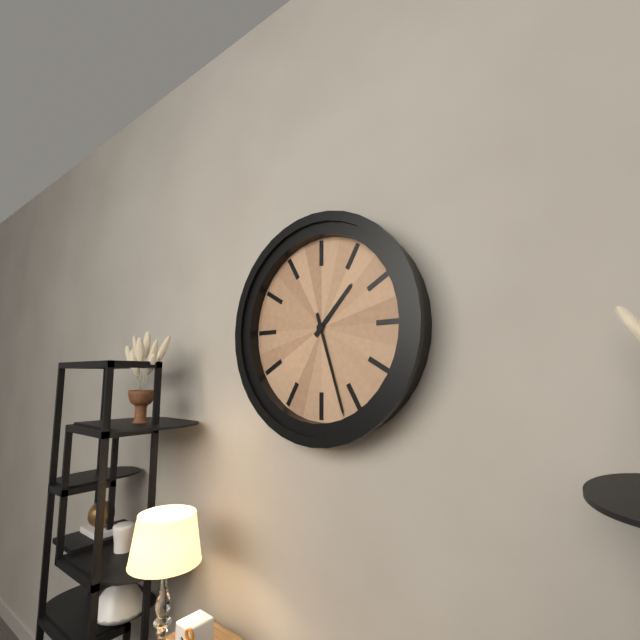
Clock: 1:27
